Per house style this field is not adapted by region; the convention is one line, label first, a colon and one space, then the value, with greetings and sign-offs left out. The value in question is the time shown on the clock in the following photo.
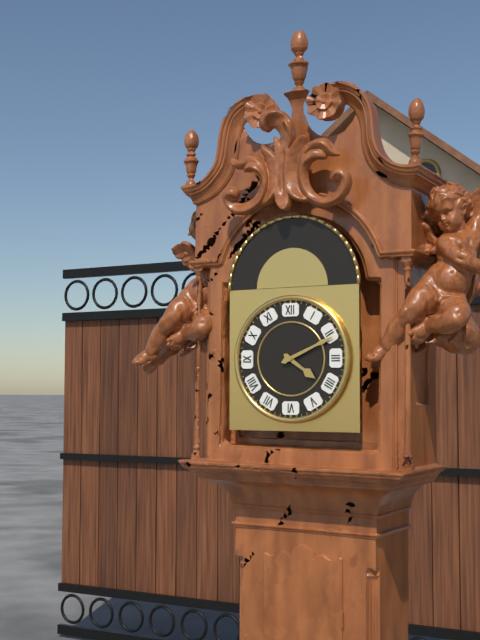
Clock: 4:11
